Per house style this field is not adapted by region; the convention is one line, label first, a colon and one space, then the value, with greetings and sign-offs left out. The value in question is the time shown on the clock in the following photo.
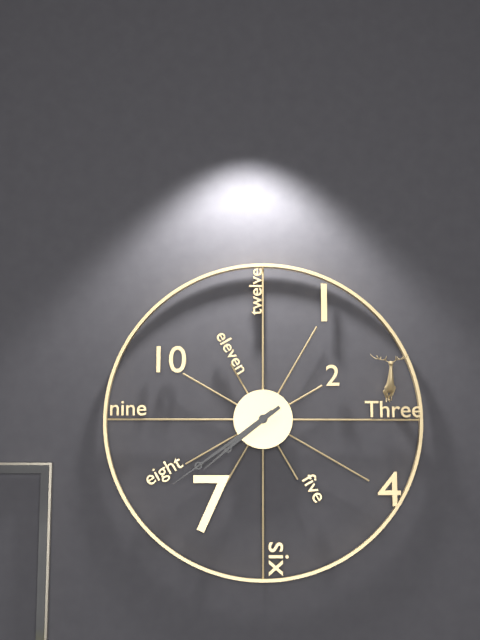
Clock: 7:39
